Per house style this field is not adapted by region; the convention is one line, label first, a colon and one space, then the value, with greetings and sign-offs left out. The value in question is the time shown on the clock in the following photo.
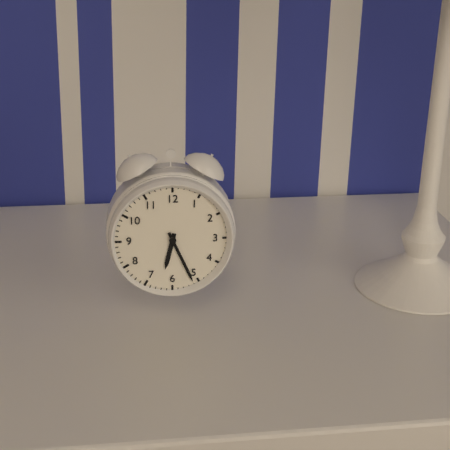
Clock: 6:26
